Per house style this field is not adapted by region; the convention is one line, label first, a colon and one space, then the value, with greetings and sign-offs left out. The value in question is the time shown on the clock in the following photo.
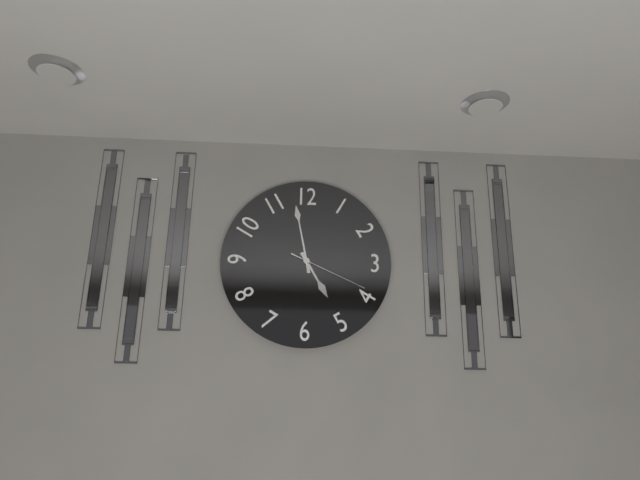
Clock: 4:58:19
